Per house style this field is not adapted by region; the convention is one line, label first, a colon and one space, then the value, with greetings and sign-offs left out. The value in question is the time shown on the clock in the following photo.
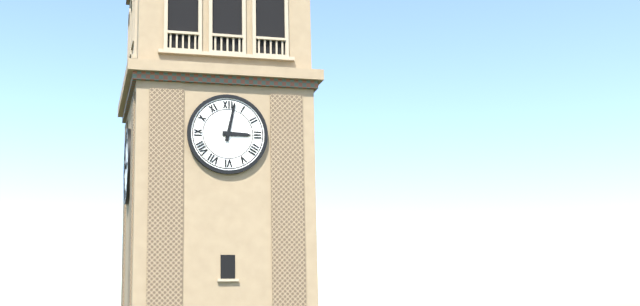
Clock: 3:02
